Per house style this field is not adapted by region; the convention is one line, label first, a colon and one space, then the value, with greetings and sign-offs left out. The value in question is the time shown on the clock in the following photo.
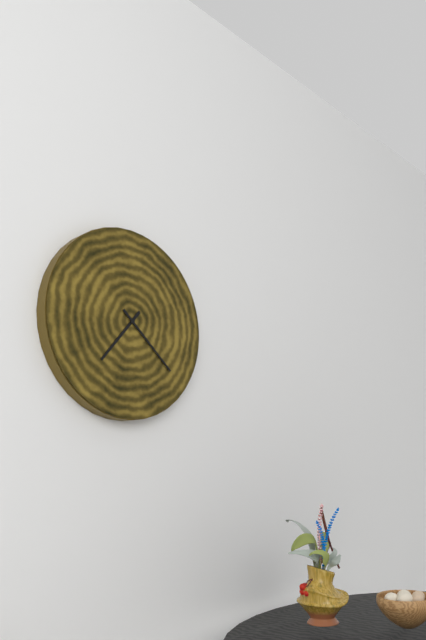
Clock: 7:22
